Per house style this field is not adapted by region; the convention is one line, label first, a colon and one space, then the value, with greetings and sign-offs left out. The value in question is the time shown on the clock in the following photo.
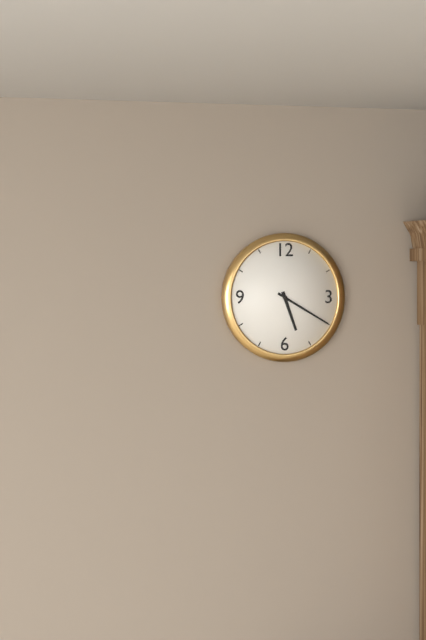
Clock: 5:20
